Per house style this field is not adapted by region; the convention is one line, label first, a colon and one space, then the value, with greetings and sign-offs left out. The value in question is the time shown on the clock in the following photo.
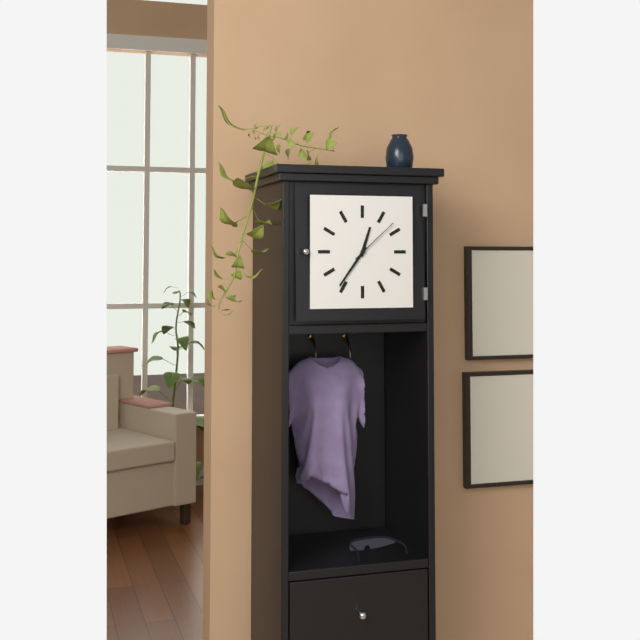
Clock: 12:36:08
